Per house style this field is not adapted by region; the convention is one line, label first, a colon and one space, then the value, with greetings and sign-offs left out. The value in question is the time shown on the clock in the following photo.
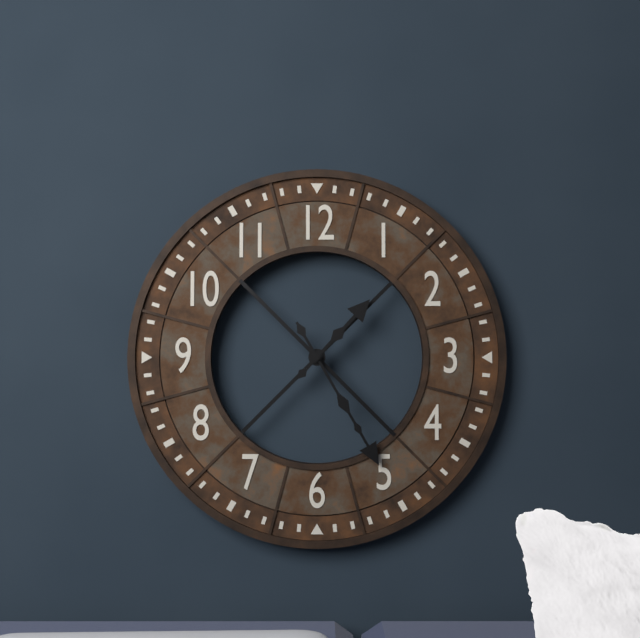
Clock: 1:25
